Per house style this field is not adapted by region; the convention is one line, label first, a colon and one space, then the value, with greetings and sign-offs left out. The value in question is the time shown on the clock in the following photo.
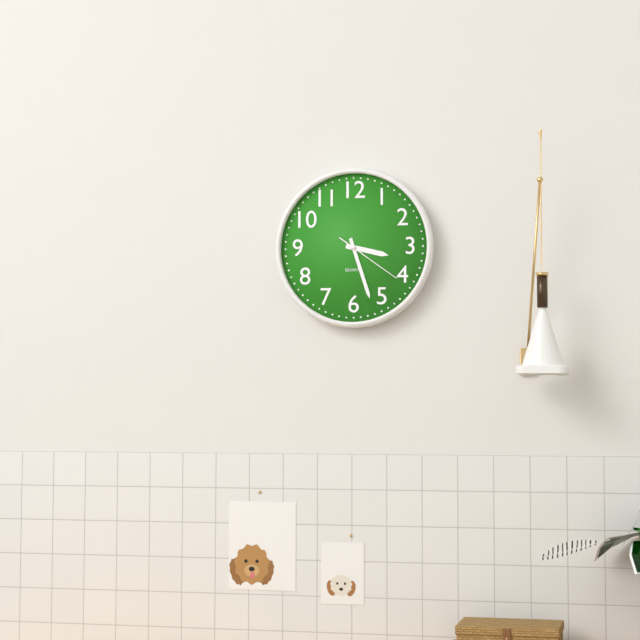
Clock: 3:27:21
